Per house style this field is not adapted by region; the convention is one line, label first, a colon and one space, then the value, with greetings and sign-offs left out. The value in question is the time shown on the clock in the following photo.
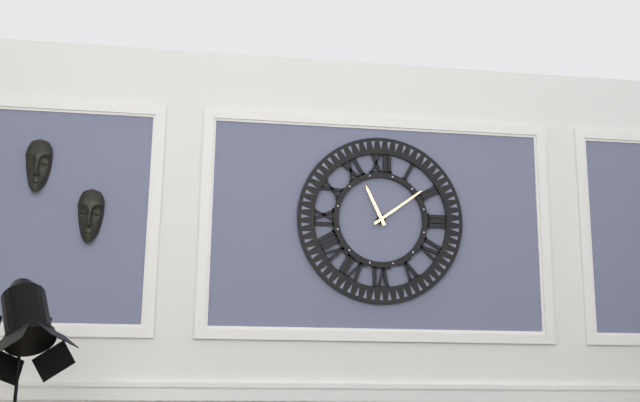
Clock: 11:09
